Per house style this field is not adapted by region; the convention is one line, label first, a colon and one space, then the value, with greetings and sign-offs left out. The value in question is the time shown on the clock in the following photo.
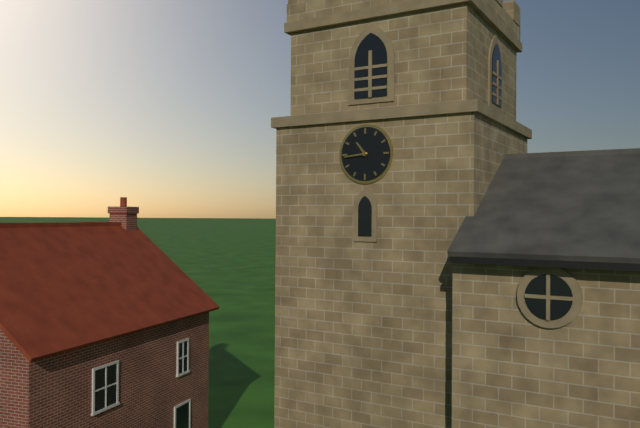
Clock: 10:44
